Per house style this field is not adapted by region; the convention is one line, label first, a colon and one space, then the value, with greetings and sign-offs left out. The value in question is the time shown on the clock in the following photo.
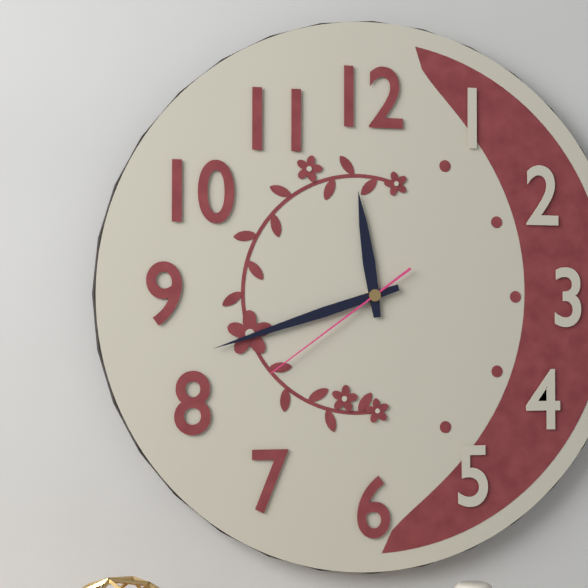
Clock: 11:42:39
